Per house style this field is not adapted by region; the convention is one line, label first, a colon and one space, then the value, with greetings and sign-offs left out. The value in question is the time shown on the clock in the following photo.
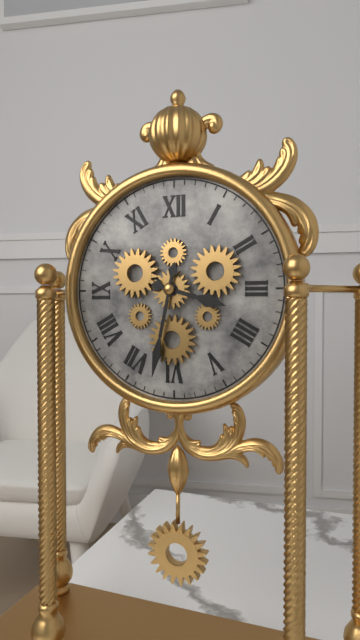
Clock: 3:32
